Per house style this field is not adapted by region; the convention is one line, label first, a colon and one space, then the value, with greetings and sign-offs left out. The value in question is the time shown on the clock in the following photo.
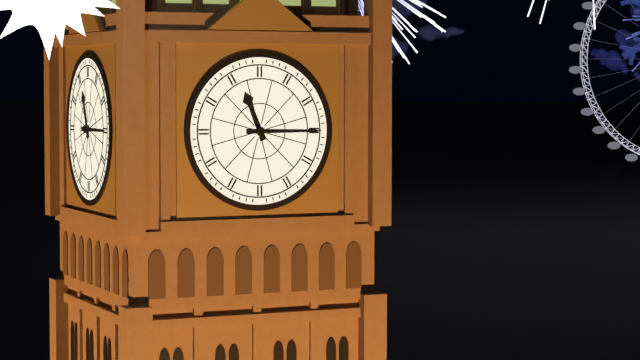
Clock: 11:15
